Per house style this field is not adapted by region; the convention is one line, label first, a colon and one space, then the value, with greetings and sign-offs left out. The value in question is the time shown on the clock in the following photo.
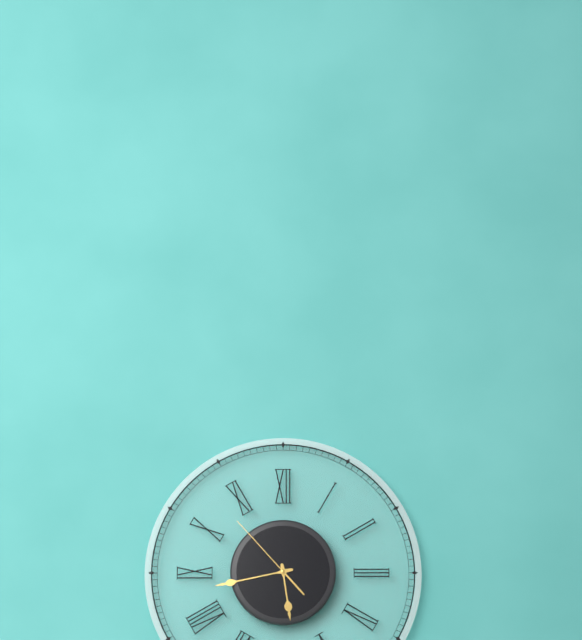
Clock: 5:43:53
